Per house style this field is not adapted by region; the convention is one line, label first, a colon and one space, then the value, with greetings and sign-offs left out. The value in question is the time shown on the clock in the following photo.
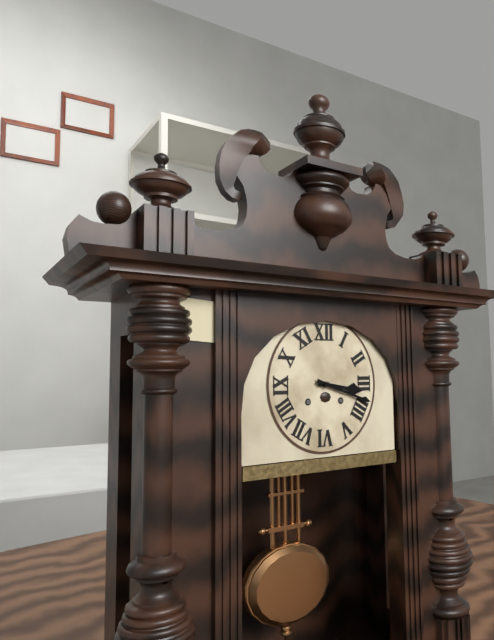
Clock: 3:18
